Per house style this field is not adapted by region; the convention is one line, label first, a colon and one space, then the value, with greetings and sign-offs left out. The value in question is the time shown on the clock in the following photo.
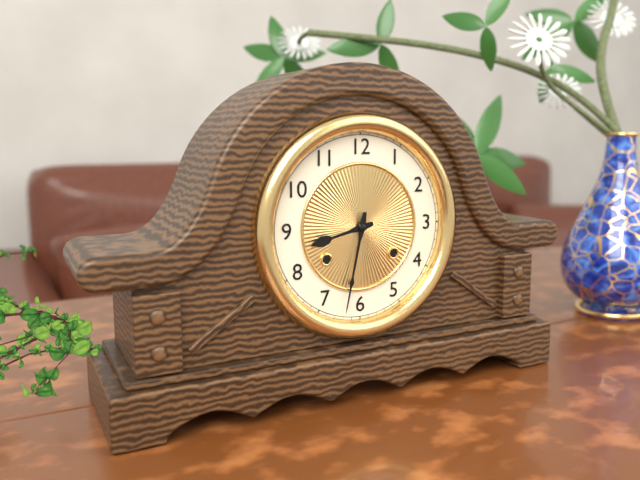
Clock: 8:32
